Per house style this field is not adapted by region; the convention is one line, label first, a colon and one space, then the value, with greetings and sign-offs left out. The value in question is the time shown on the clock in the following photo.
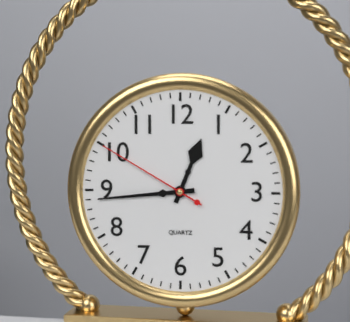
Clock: 12:44:50
